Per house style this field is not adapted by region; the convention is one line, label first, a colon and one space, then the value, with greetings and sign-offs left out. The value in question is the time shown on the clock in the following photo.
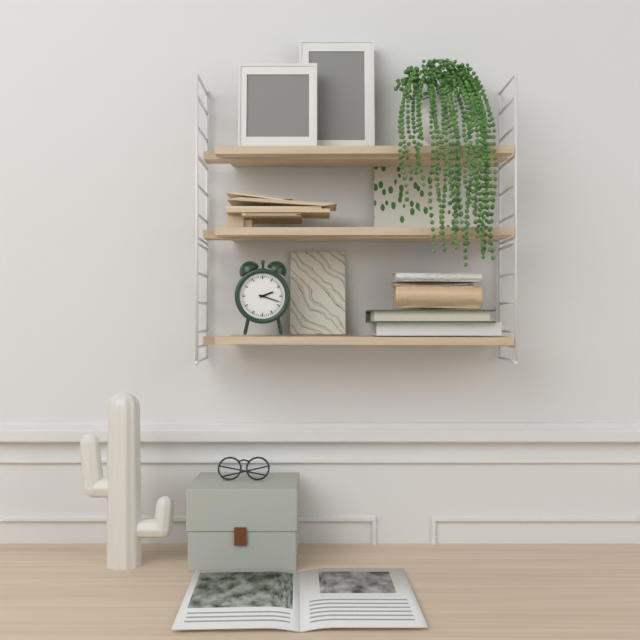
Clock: 2:18
